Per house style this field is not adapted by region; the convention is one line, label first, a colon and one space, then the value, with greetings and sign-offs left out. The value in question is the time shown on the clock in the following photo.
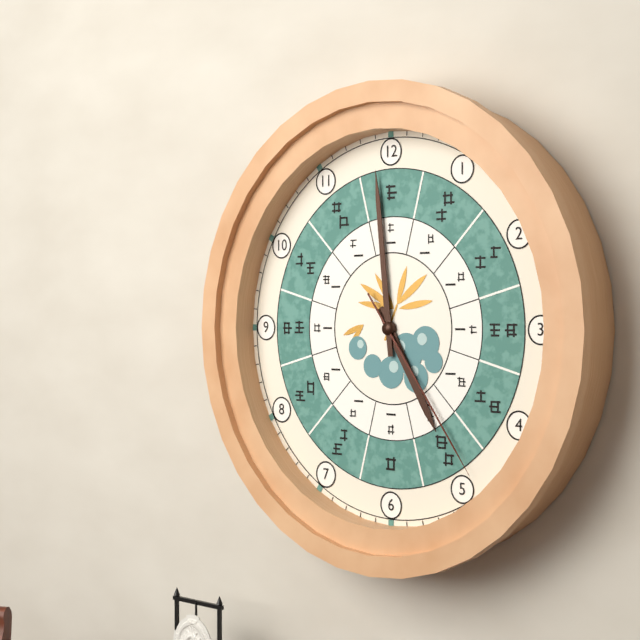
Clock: 4:59:24
